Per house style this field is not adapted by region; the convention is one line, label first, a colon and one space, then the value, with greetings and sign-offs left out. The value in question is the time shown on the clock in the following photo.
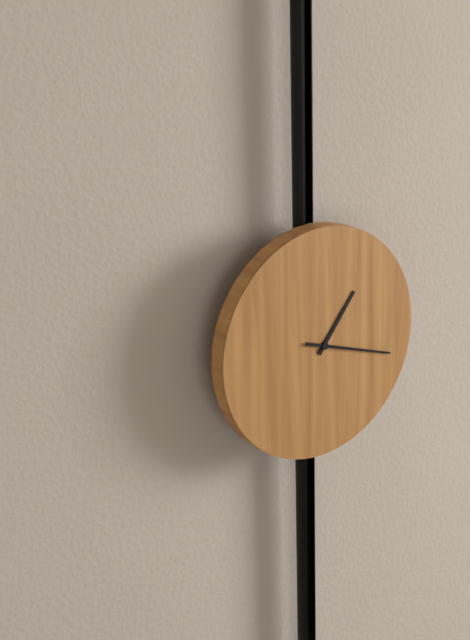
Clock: 1:18
